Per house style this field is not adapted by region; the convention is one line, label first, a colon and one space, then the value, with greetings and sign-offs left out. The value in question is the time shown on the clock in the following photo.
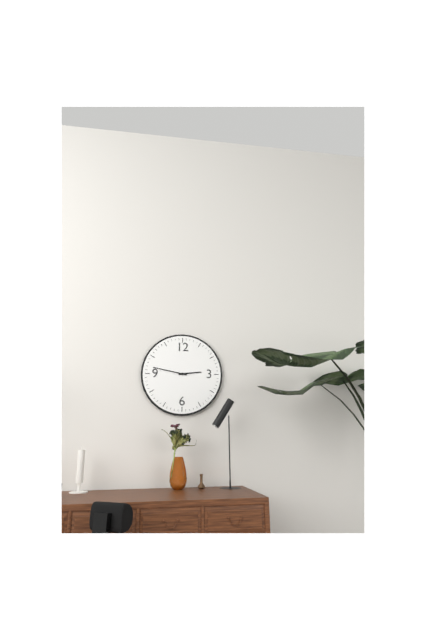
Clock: 2:47
